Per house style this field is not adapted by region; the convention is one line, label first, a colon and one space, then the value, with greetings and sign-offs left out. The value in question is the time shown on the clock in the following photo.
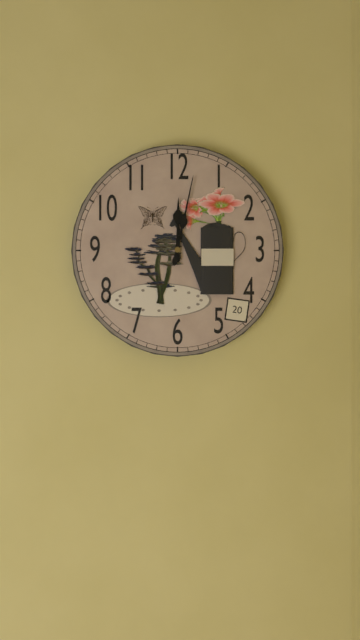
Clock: 12:02
